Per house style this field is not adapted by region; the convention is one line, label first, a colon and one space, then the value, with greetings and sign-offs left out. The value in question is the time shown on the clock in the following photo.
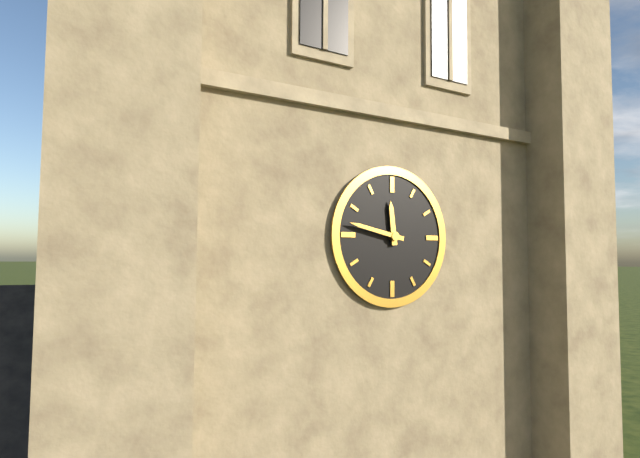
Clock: 11:47
